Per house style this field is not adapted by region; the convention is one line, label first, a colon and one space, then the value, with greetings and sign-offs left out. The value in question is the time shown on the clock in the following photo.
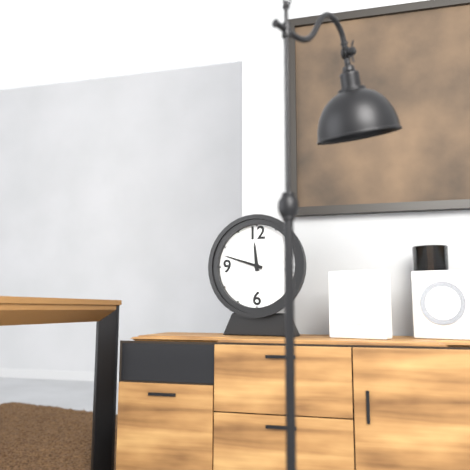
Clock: 11:48
